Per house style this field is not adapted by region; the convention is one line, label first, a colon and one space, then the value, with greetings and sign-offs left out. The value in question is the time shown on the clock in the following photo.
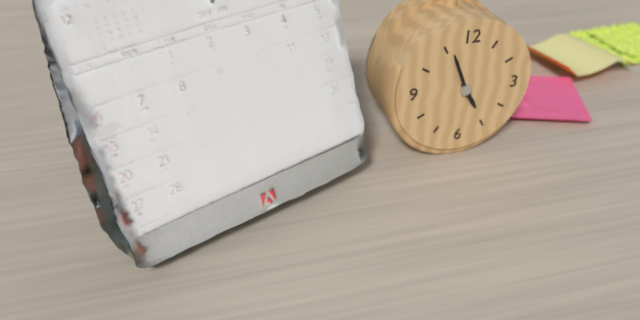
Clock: 4:56
